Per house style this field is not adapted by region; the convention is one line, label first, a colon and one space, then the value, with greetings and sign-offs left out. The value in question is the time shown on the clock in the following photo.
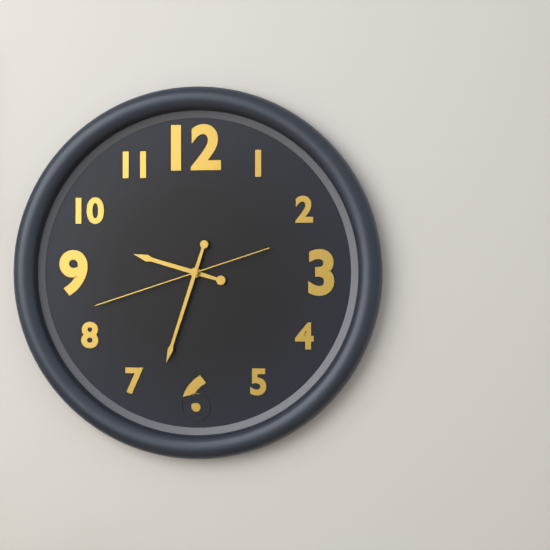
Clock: 9:33:42
